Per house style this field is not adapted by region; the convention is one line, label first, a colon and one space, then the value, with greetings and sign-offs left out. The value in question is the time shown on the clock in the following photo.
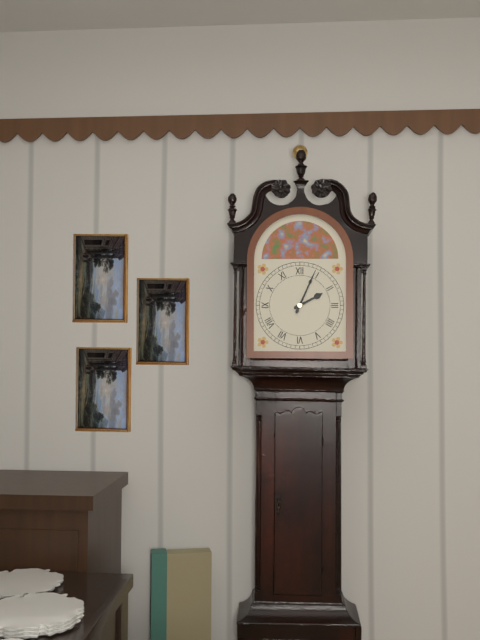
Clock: 2:04
